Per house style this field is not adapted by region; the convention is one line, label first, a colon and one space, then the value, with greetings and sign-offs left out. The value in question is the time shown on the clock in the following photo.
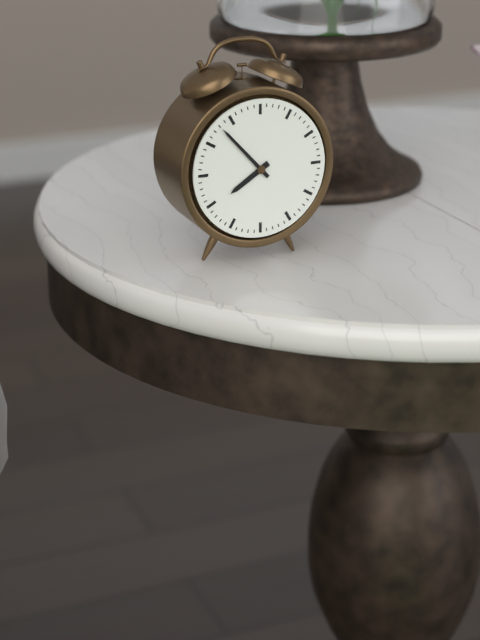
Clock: 7:53
